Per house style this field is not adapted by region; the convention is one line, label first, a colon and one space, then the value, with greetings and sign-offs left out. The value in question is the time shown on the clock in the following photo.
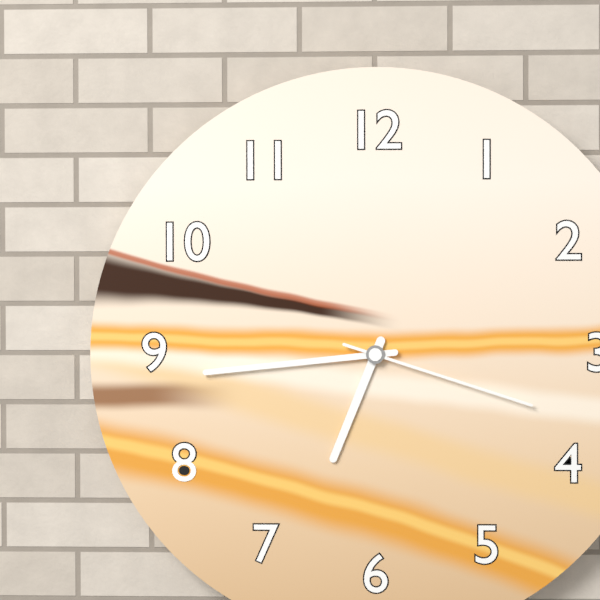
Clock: 6:44:18
